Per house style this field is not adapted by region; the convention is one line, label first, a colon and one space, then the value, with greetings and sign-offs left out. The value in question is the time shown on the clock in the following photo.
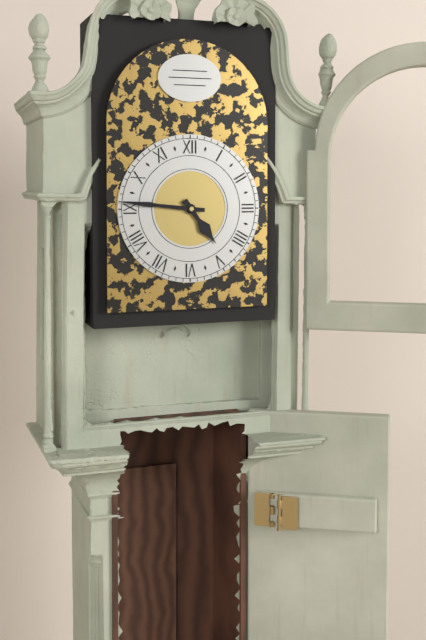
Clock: 4:46
